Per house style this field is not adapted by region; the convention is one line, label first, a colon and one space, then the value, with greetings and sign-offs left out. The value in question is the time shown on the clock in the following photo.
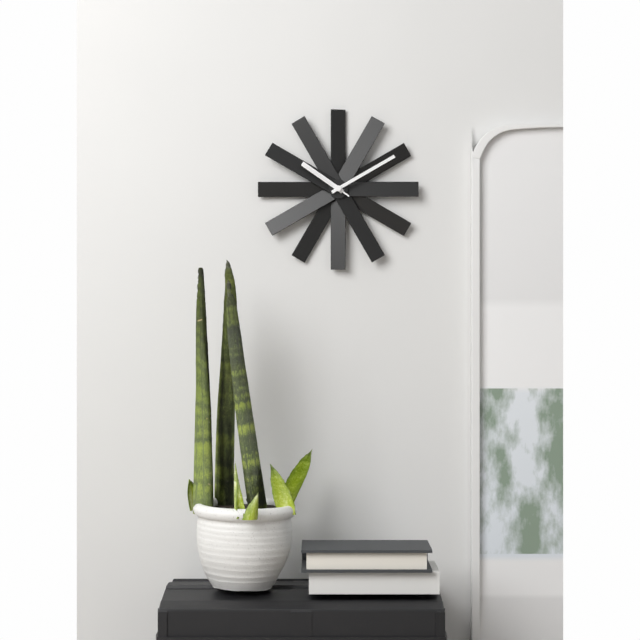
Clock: 10:10:51
